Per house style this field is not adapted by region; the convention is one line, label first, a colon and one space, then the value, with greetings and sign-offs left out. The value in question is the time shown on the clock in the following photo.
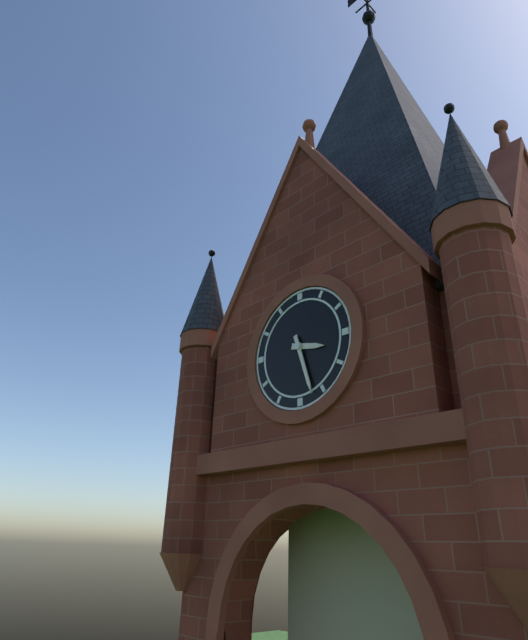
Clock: 3:27
